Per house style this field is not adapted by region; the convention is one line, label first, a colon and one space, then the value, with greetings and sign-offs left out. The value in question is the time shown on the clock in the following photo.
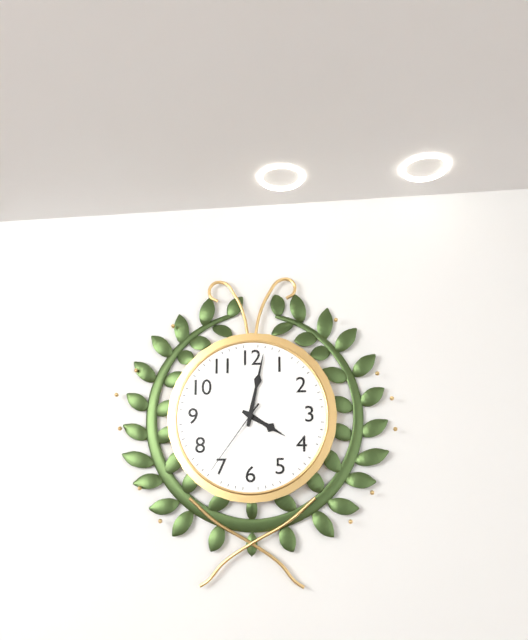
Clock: 4:02:36
